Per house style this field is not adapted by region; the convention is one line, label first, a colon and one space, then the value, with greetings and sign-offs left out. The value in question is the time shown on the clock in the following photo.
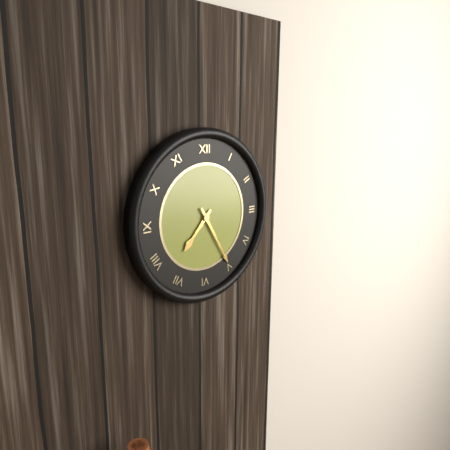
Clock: 7:25
